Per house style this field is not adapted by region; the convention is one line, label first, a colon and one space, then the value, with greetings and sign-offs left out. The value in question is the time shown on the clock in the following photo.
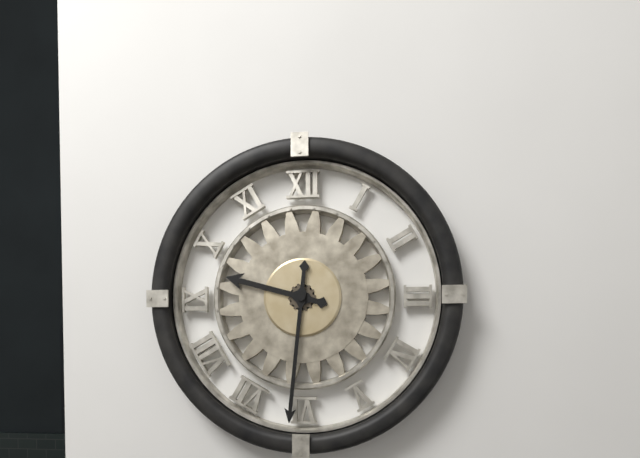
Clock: 9:31
